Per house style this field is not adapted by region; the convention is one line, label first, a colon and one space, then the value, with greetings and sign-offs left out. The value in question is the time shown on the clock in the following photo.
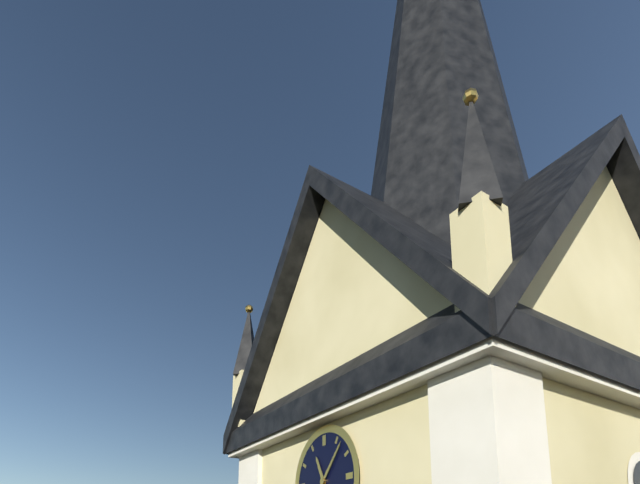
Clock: 11:07
